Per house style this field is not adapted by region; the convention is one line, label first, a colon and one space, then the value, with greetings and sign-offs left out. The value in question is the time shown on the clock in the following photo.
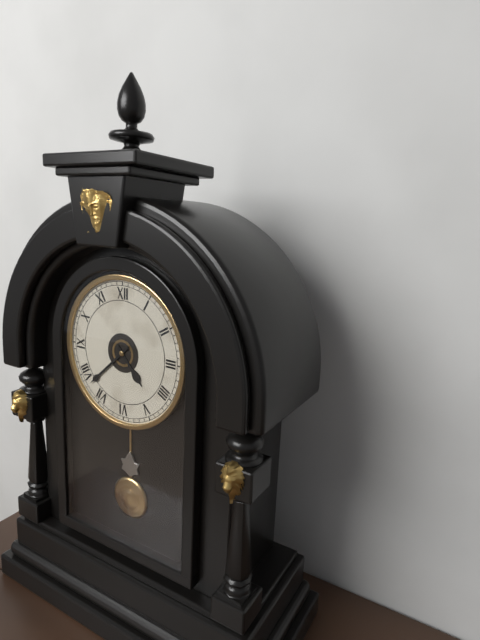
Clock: 4:38
